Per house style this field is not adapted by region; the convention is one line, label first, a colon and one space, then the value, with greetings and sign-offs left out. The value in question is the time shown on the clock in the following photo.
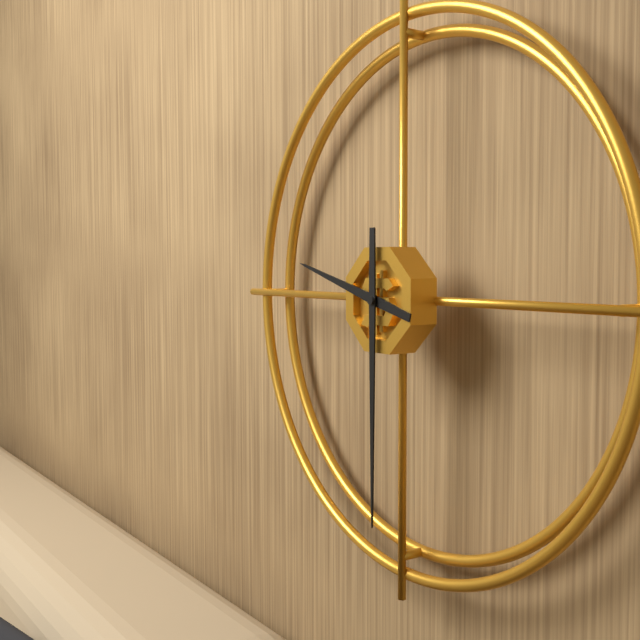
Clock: 9:30
